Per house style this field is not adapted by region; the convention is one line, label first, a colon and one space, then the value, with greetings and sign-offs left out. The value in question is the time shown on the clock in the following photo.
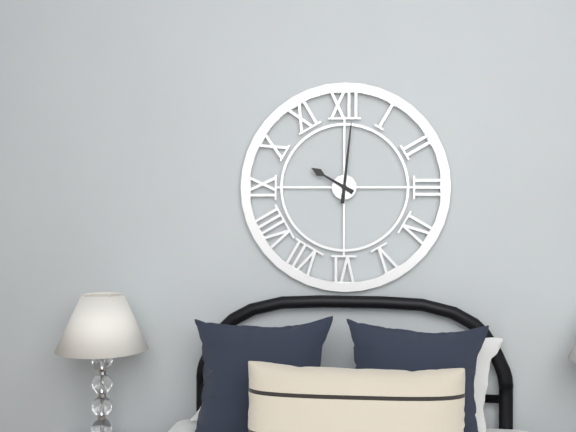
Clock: 10:01
